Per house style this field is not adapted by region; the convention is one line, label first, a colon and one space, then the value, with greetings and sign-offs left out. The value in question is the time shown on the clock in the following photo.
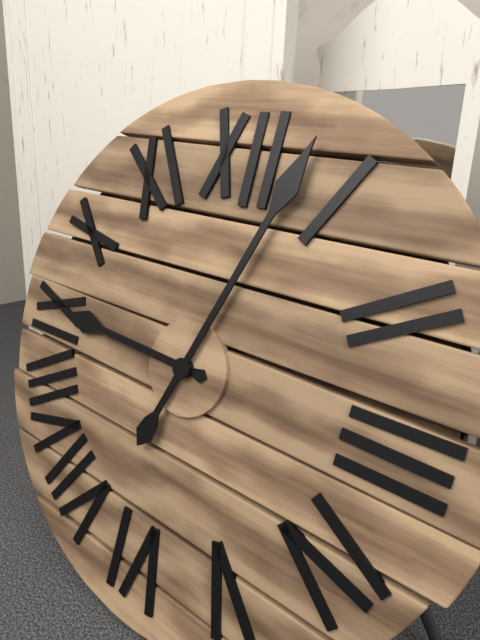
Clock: 9:03
